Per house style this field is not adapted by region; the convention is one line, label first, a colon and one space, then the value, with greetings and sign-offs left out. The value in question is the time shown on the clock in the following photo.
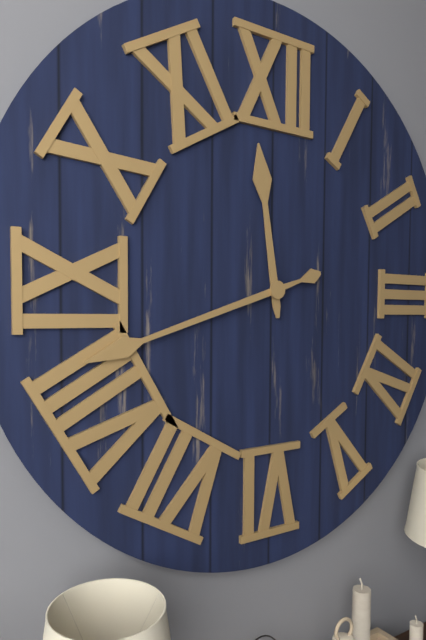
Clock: 11:42
